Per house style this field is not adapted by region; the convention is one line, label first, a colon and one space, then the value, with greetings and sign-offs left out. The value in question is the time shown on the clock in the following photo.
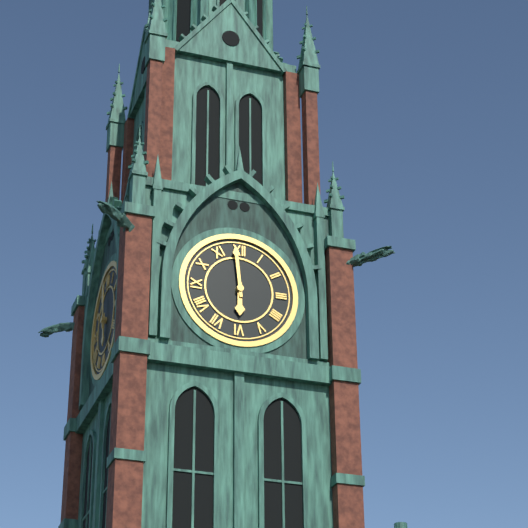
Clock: 5:59
